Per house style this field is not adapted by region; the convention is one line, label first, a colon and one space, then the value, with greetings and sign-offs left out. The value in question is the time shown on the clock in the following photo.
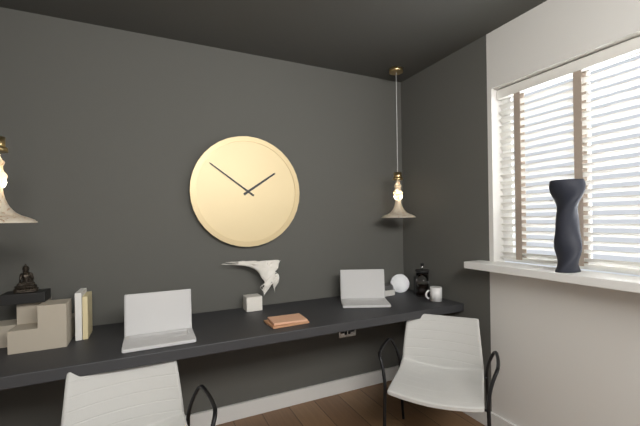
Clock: 1:51
